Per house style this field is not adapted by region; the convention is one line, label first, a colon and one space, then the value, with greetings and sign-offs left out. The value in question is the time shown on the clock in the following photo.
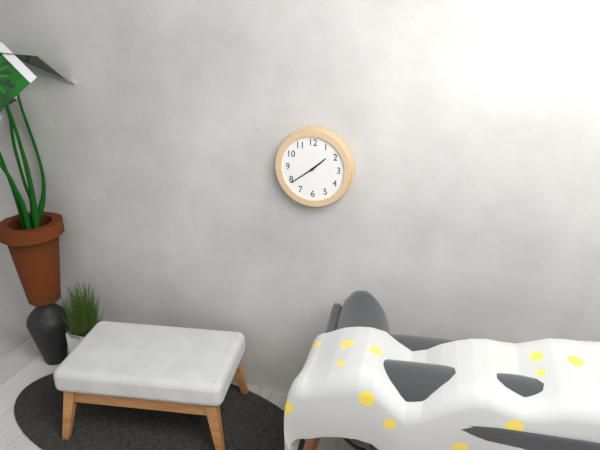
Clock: 1:39
